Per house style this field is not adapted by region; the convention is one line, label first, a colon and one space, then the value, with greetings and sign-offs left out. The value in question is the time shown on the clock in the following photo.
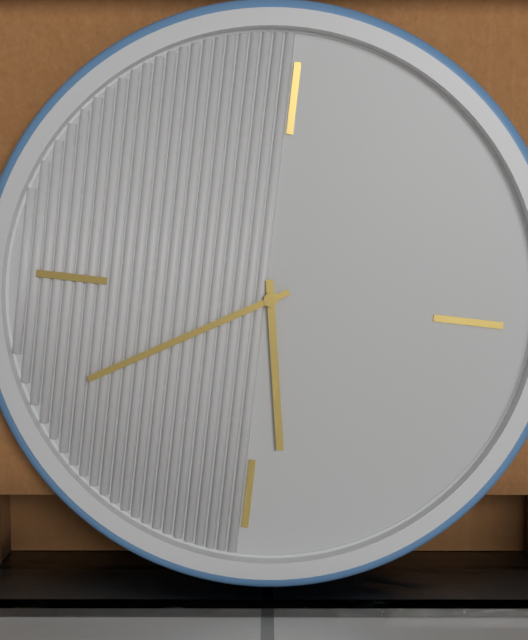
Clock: 5:40
